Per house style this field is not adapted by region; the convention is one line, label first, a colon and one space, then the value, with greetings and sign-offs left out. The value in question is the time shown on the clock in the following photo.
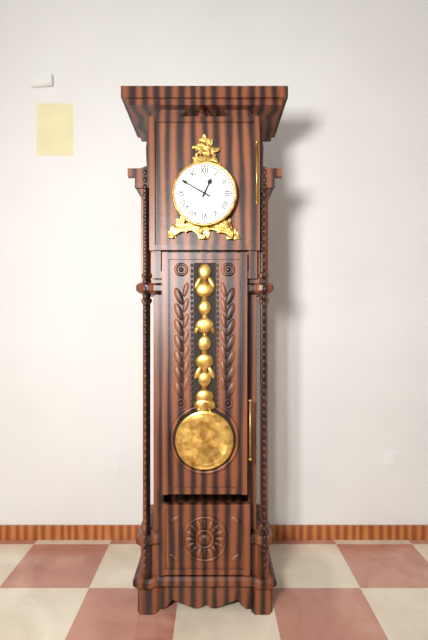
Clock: 12:50
